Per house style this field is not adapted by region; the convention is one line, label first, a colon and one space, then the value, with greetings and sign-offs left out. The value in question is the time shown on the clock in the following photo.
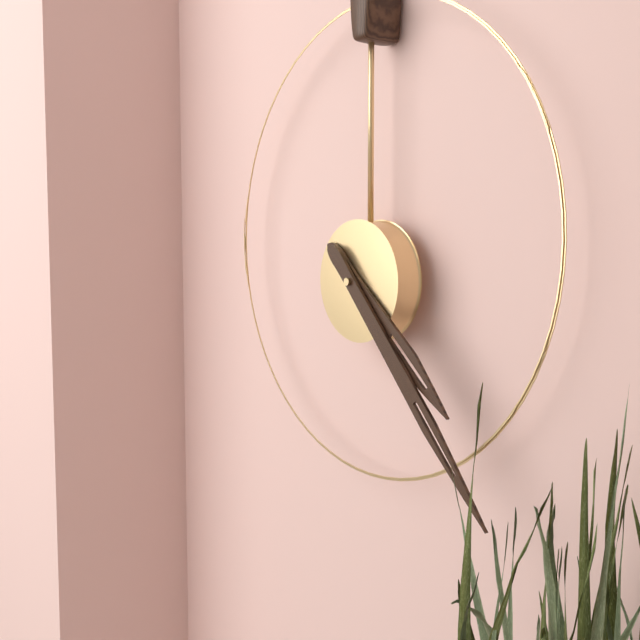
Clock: 4:23
